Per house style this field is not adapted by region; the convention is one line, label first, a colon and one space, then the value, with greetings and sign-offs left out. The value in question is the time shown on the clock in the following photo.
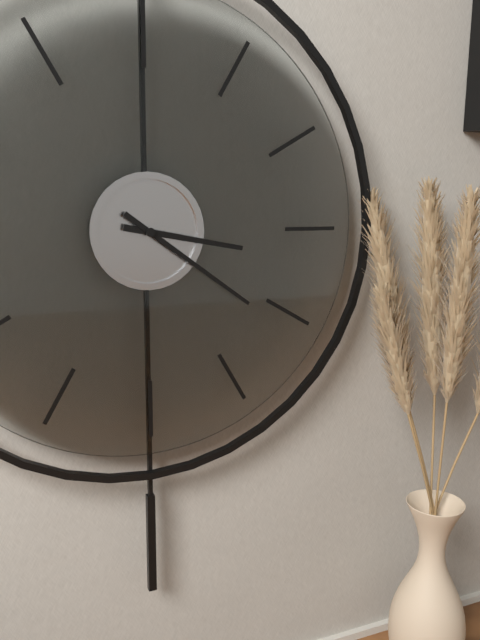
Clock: 3:21
